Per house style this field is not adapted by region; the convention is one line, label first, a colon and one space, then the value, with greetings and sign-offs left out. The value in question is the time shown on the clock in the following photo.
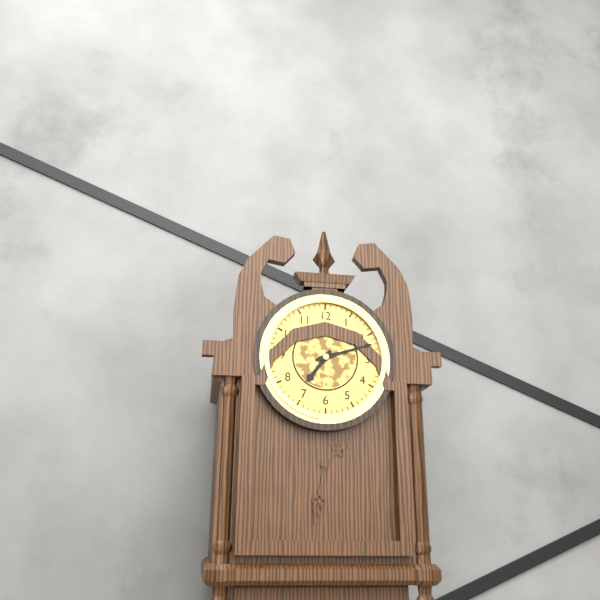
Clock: 7:12
